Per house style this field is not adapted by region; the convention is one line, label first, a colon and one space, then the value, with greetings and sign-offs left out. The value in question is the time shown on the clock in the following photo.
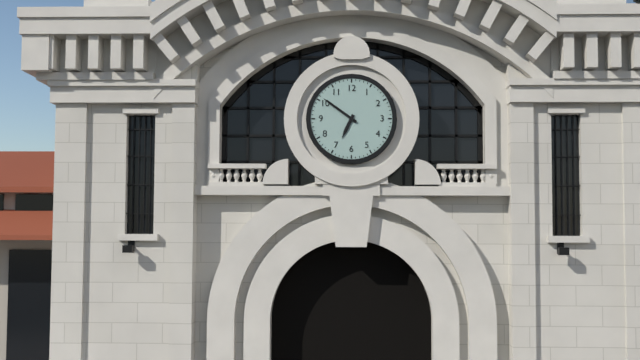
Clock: 6:51
